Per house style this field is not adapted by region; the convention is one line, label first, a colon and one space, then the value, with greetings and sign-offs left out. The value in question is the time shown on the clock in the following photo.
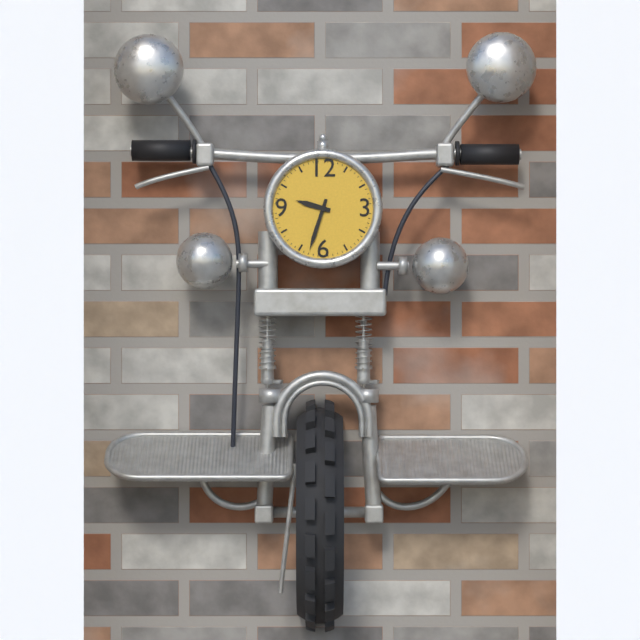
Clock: 9:33
